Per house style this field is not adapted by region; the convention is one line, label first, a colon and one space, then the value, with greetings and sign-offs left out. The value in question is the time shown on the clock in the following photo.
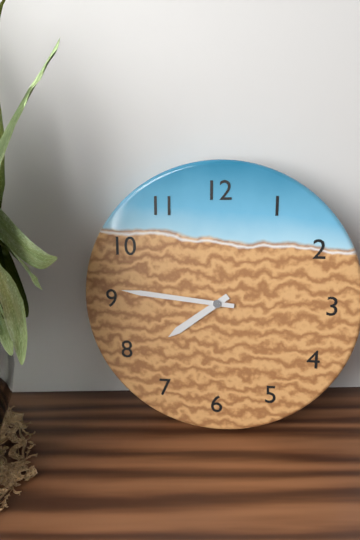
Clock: 7:46
